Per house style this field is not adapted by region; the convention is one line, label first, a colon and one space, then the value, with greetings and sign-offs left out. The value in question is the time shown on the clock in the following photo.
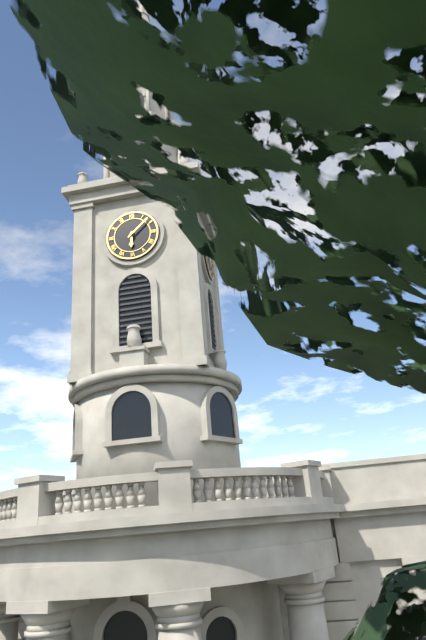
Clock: 6:08
